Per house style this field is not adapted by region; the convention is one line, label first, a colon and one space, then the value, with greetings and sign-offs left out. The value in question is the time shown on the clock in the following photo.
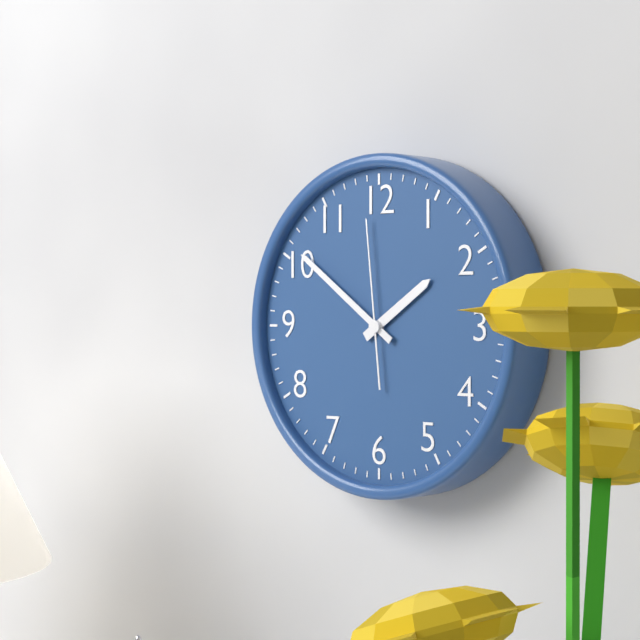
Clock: 1:51:59
